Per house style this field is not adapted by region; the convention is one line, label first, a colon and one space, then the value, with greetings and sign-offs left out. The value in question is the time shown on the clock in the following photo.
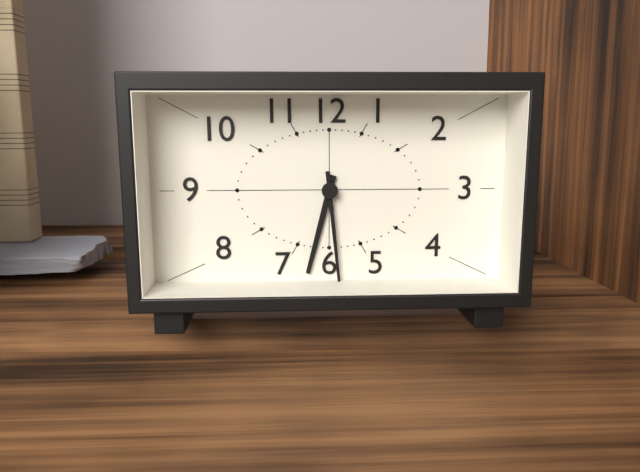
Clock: 6:29
